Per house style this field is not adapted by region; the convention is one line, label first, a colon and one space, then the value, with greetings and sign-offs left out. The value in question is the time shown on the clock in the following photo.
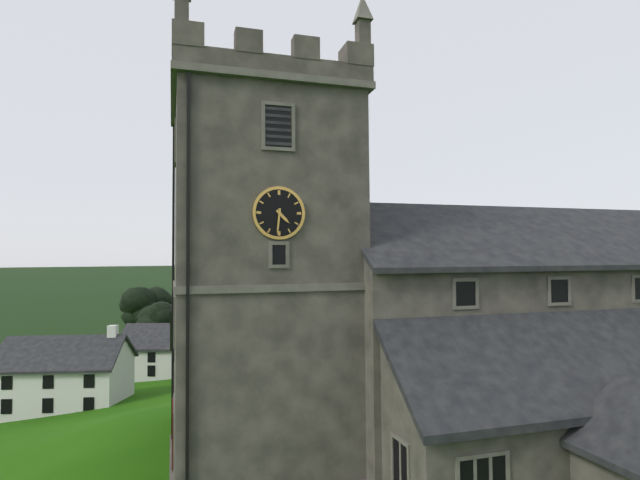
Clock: 4:31
